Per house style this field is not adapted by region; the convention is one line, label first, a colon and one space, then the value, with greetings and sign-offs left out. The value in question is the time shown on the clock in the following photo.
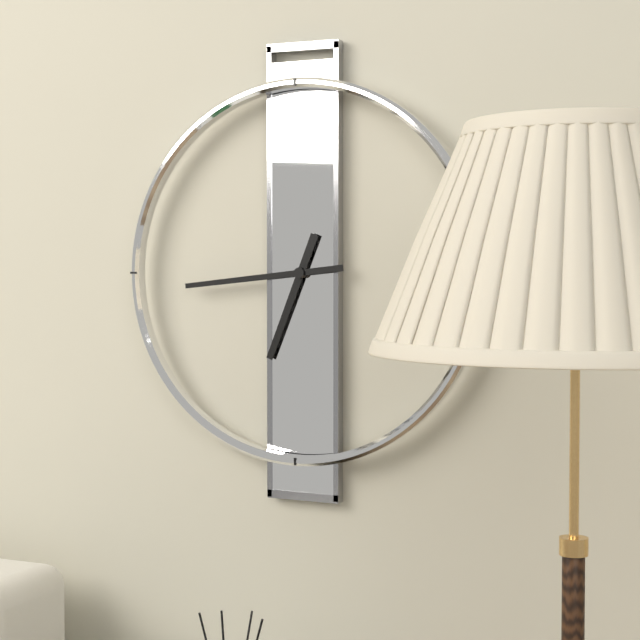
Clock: 6:44
